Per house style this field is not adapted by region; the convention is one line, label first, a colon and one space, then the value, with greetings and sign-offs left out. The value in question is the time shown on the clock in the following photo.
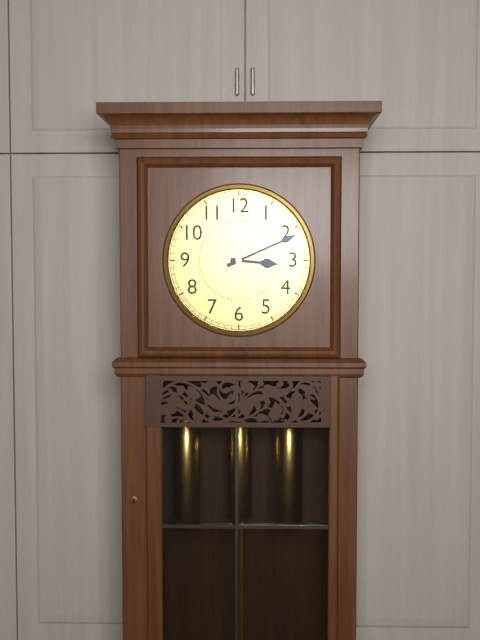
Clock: 3:11
